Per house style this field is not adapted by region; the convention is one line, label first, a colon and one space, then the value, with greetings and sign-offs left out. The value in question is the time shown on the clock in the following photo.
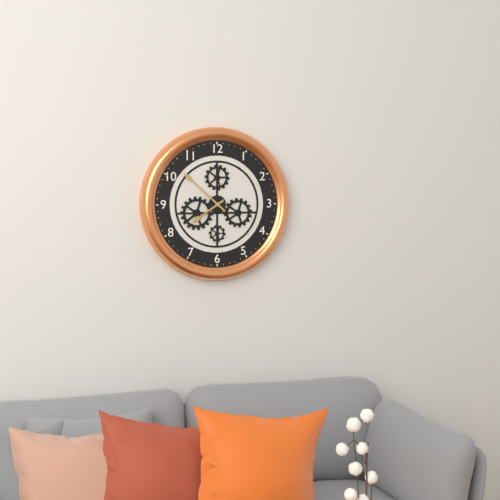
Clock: 7:52
